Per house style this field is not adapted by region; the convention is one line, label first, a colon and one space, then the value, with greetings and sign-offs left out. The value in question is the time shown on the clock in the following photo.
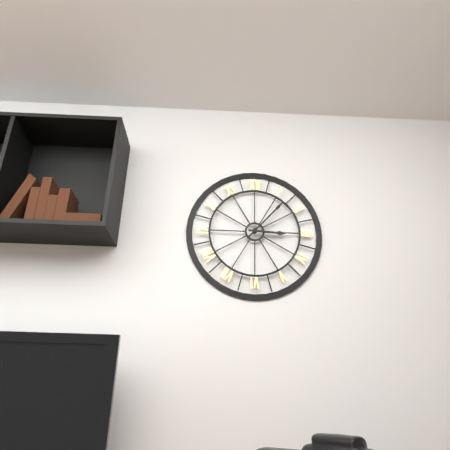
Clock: 3:07
